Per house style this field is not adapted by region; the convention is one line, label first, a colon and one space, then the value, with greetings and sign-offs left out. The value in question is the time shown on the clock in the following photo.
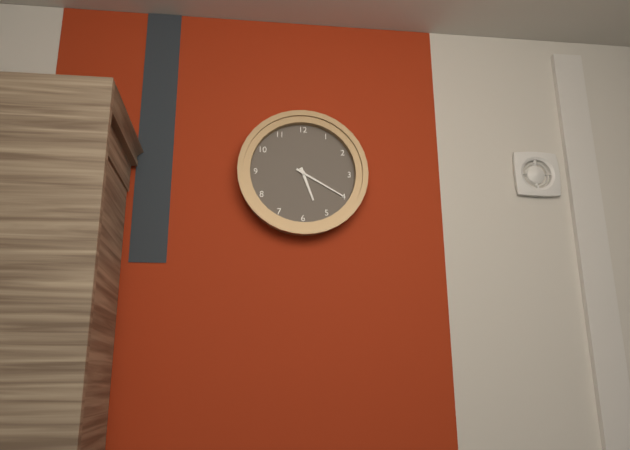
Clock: 5:20
